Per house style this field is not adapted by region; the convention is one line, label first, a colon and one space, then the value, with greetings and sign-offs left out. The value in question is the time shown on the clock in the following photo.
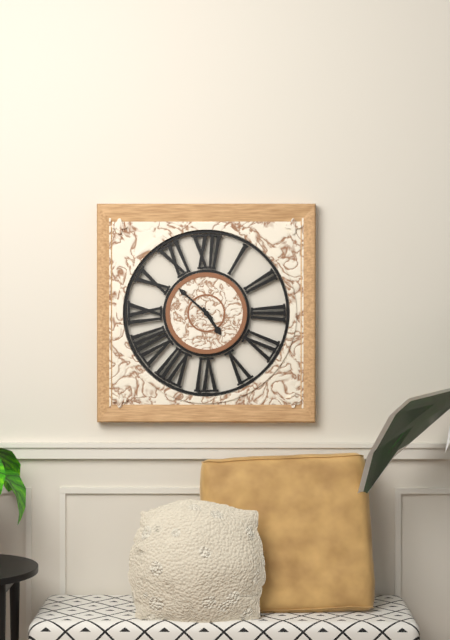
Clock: 4:52
